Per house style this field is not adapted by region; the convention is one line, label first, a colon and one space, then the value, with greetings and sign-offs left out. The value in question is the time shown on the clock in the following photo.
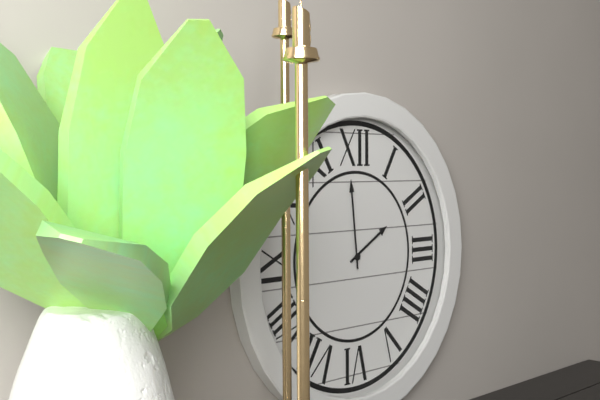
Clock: 1:59
